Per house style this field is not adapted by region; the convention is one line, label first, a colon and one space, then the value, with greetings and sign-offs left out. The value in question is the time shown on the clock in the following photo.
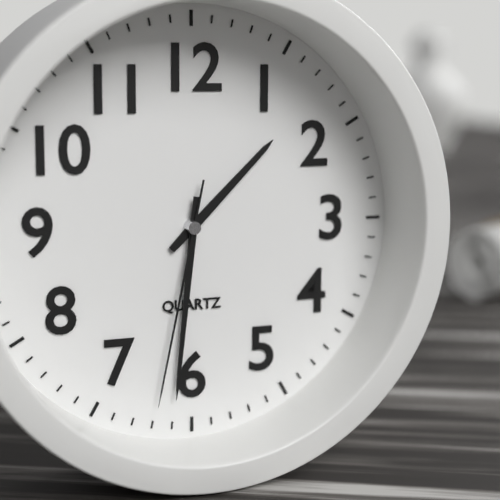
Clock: 1:31:32
